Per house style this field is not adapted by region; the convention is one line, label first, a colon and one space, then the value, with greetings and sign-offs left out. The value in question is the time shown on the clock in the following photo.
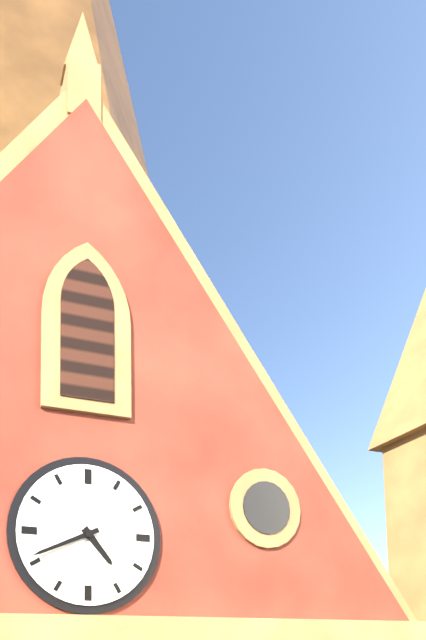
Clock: 4:41
